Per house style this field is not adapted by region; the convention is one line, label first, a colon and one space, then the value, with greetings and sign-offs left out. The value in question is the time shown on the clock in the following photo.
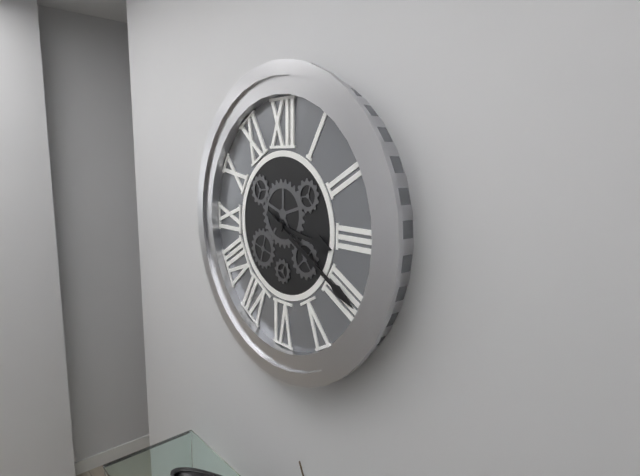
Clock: 3:20
